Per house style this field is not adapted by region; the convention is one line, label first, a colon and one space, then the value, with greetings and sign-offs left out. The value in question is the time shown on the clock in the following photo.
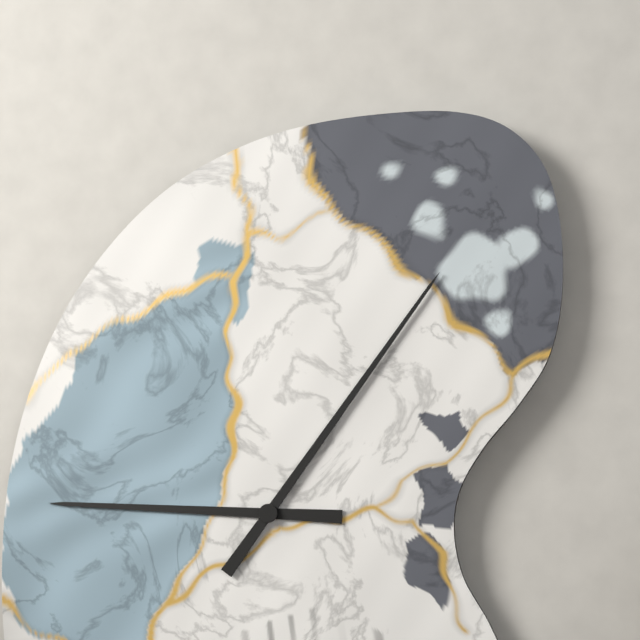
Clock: 9:06
